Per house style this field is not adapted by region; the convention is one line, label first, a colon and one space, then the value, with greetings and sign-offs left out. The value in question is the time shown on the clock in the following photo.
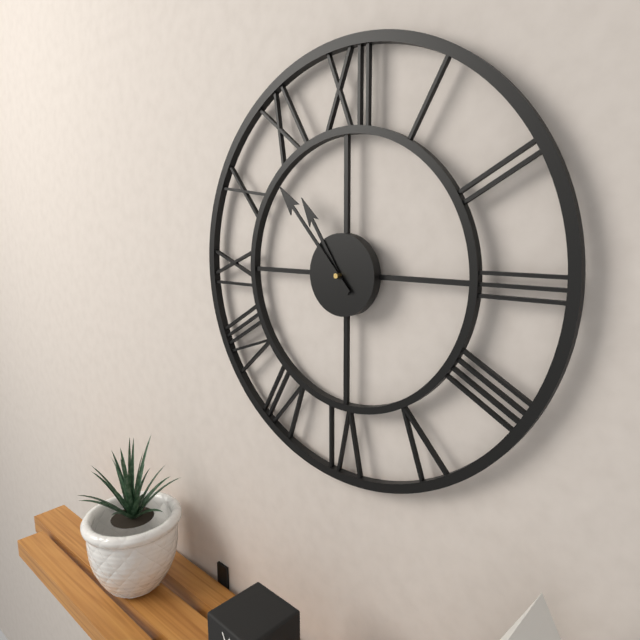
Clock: 10:53
